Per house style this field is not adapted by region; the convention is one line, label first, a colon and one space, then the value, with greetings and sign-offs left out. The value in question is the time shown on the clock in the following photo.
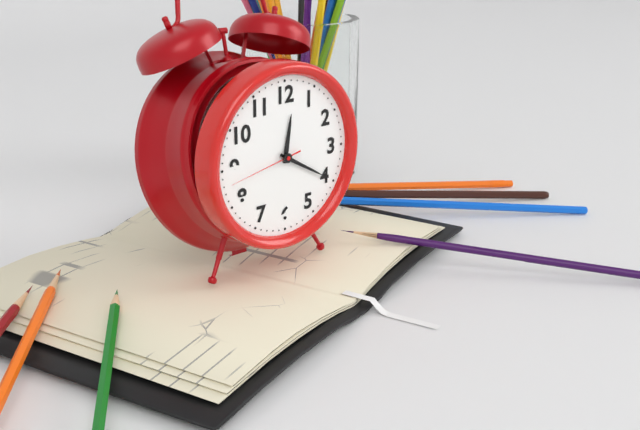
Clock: 12:20:43
